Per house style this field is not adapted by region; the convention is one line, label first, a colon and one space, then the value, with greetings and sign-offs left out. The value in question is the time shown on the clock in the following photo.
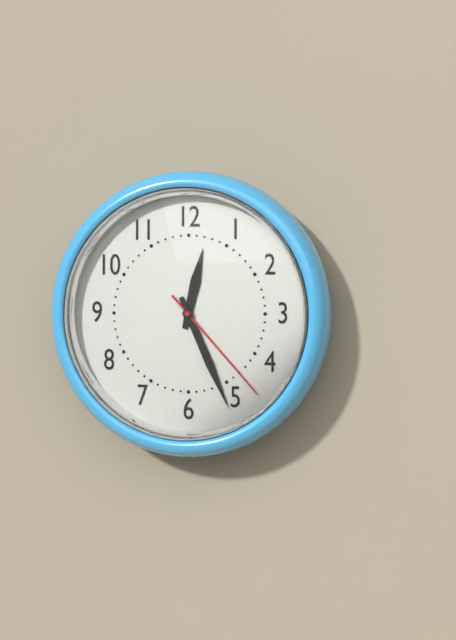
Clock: 12:26:23
